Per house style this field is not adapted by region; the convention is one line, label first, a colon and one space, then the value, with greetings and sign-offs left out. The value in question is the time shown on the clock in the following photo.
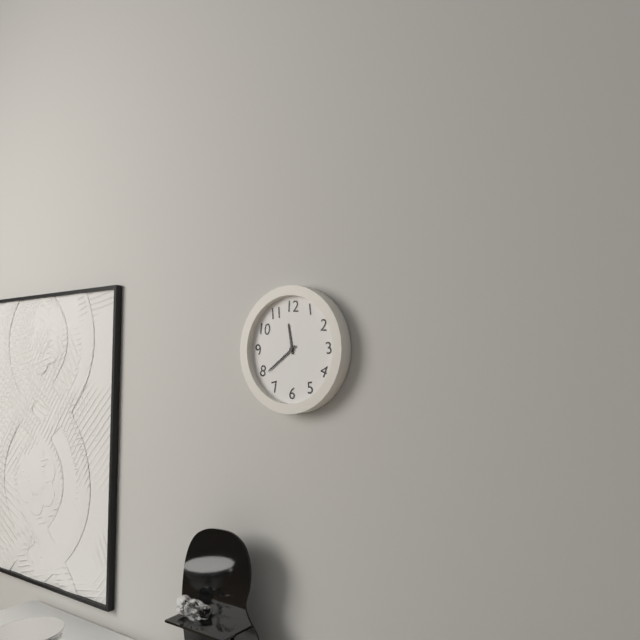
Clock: 11:39
